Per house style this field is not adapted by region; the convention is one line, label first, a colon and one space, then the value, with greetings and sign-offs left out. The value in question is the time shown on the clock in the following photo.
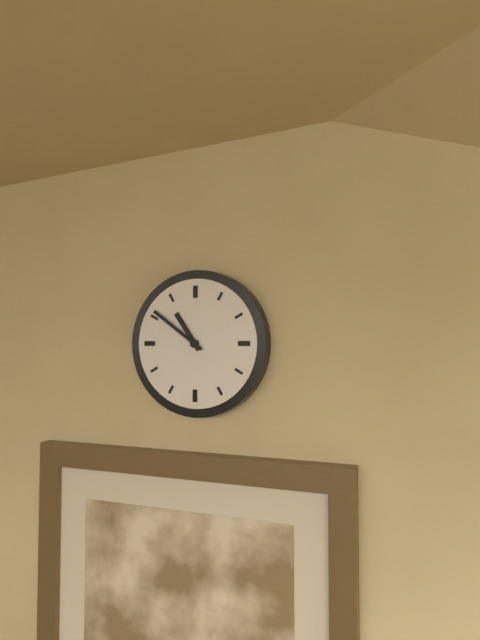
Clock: 10:51
